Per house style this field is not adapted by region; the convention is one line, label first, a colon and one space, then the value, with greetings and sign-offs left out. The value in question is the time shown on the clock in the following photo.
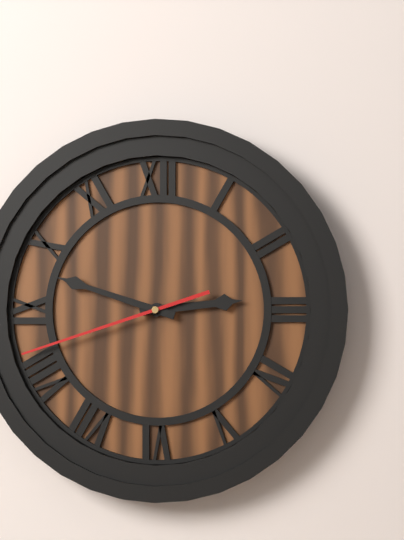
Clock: 2:48:42
